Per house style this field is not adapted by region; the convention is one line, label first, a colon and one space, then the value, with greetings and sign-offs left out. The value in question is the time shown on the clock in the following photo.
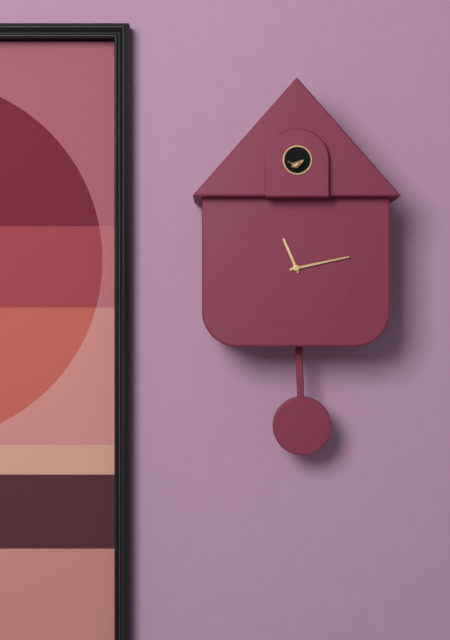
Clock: 11:13
